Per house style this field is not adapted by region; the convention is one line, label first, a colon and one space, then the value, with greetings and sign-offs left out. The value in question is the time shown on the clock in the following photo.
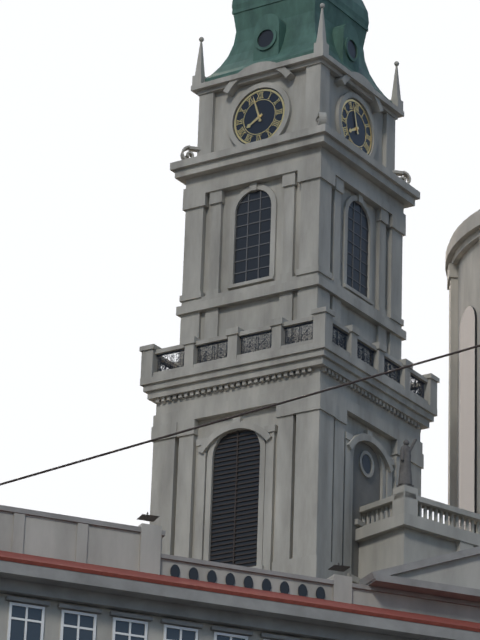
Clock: 7:57
